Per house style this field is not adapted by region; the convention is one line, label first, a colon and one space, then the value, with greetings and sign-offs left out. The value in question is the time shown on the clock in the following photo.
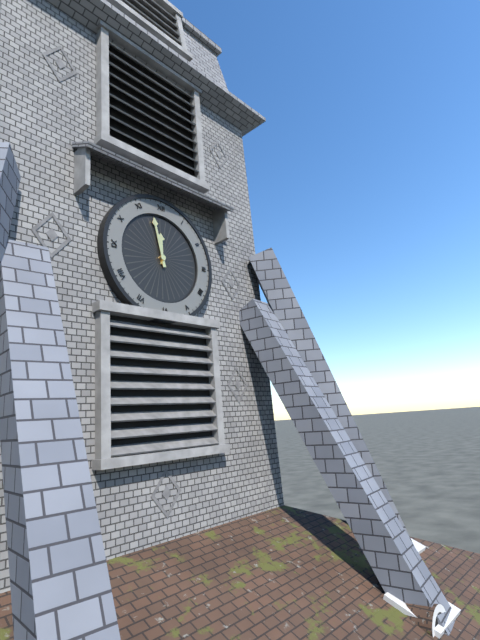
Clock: 11:58
